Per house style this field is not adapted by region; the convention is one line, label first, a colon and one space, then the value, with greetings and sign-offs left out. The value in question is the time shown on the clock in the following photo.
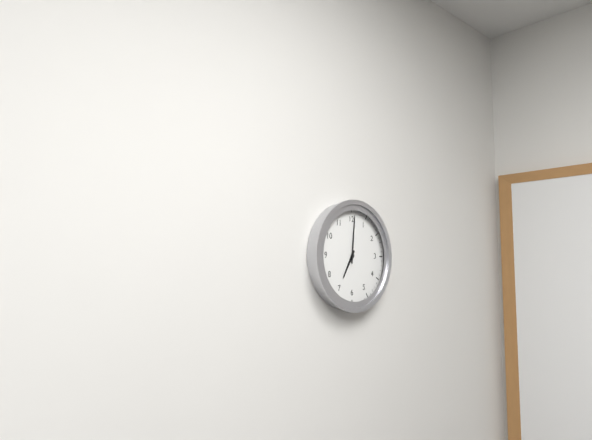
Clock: 7:01
